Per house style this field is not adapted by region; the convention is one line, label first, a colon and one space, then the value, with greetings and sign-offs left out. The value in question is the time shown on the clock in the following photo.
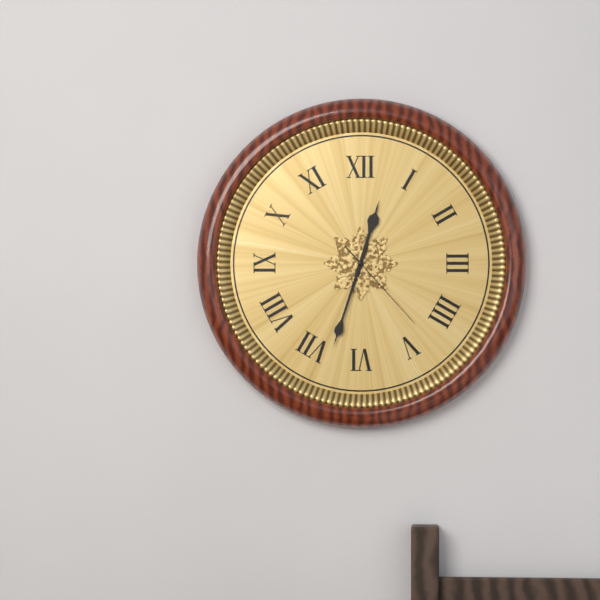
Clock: 12:33:23
